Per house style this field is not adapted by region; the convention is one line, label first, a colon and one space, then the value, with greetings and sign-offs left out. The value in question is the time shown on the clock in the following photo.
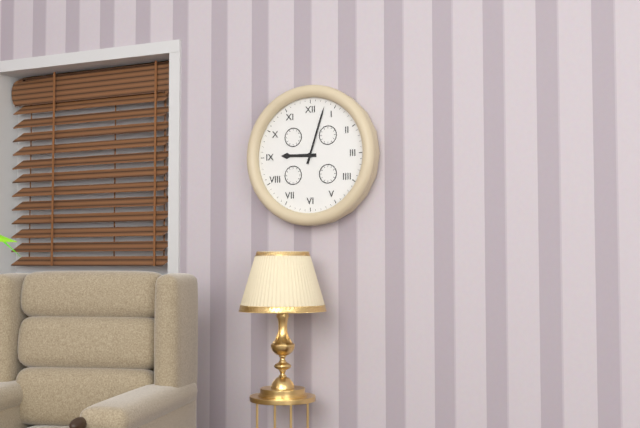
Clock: 9:03
